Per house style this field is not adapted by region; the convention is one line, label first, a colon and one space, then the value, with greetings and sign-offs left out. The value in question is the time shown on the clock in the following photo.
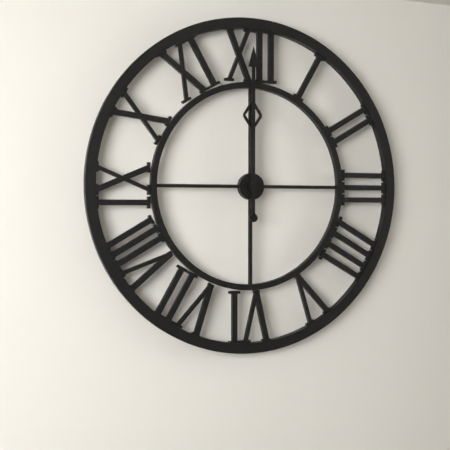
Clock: 12:00
